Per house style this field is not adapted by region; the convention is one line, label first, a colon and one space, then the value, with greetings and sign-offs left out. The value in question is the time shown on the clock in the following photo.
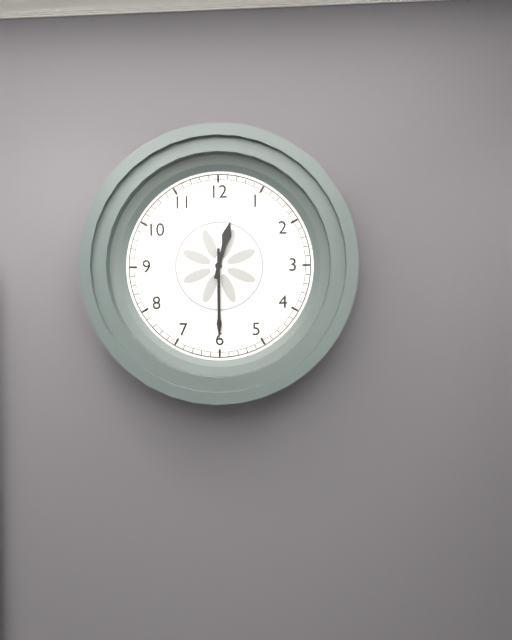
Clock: 12:30
